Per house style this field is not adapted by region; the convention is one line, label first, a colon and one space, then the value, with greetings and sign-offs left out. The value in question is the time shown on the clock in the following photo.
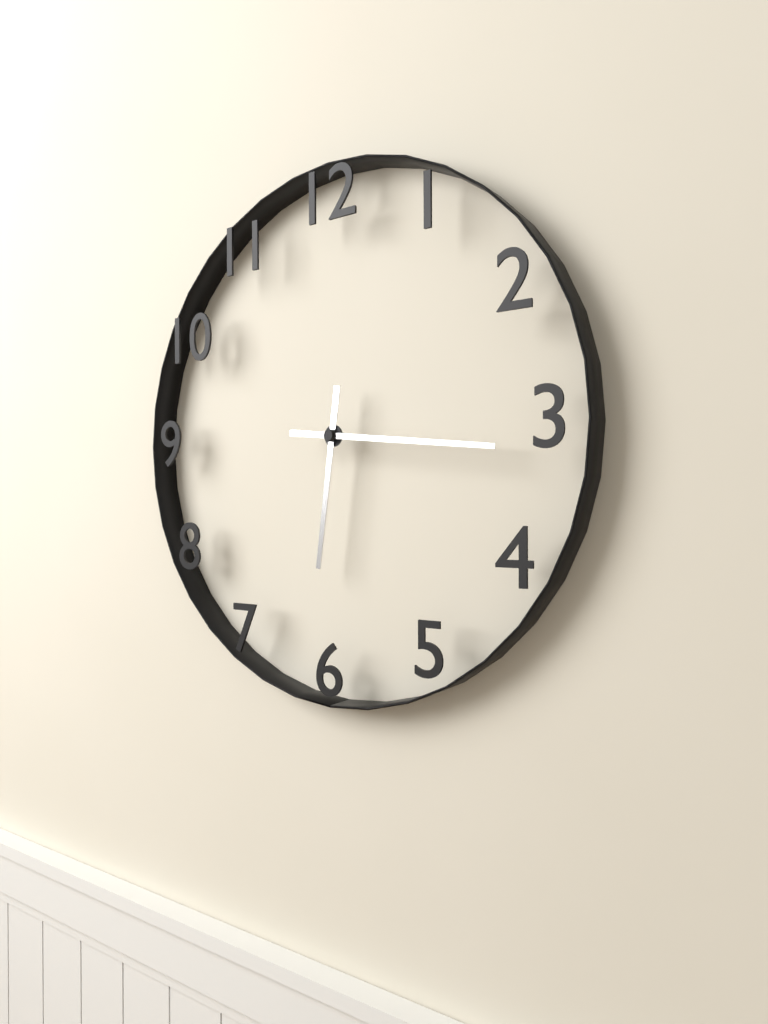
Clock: 6:16
